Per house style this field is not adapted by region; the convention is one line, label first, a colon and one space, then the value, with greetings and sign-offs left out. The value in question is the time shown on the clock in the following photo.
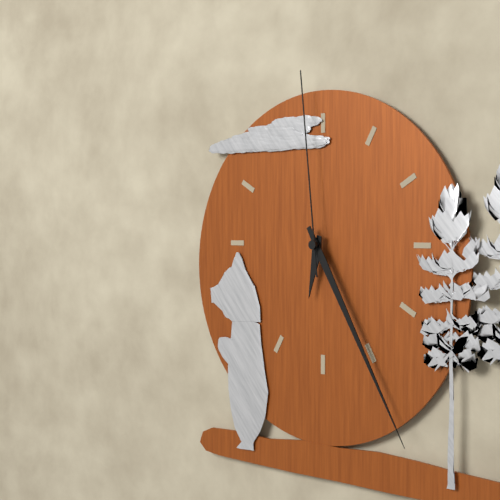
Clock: 6:25:59
